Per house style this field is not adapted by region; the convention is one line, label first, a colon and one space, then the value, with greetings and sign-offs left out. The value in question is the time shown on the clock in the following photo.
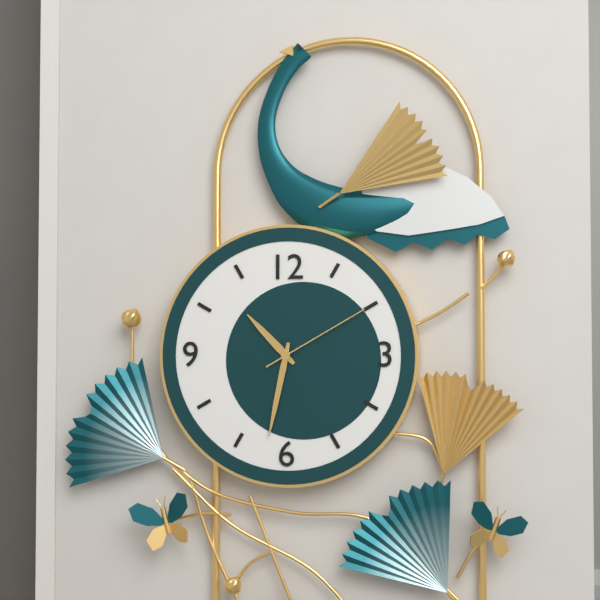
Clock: 10:32:10
